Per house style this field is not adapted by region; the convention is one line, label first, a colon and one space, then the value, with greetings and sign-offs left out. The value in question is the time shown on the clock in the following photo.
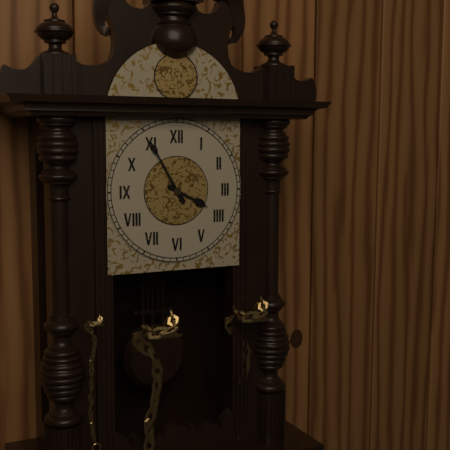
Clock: 3:55
